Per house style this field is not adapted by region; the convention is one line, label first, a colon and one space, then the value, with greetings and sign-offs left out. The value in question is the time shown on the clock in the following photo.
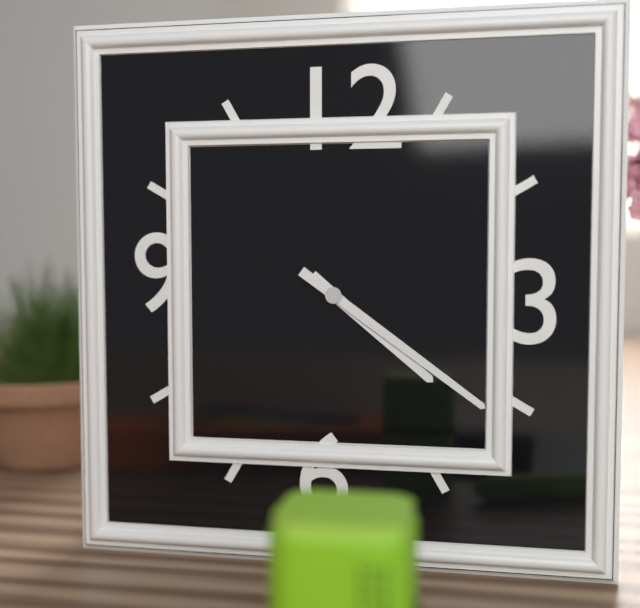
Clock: 4:21
